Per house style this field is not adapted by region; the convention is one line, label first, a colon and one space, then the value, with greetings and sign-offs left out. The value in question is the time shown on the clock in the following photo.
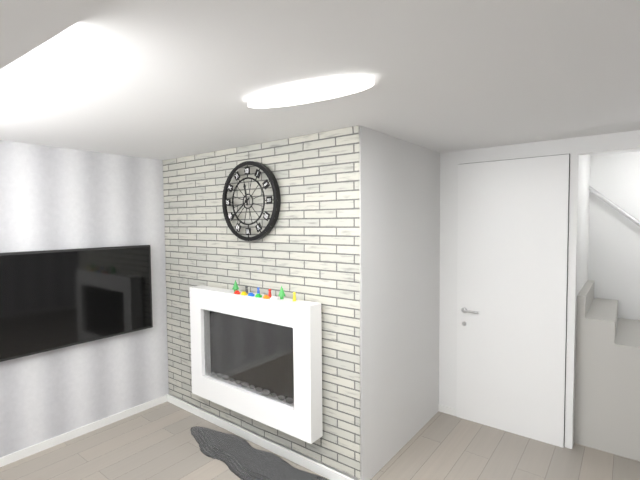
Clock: 11:39
